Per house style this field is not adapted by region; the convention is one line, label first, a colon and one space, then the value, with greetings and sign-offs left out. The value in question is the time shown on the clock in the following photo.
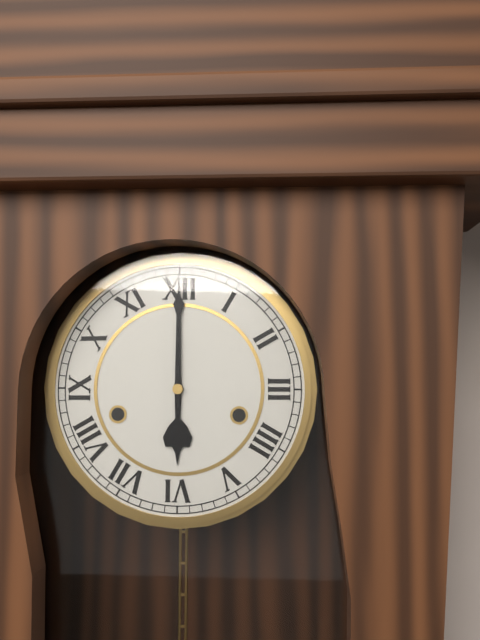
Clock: 6:00
